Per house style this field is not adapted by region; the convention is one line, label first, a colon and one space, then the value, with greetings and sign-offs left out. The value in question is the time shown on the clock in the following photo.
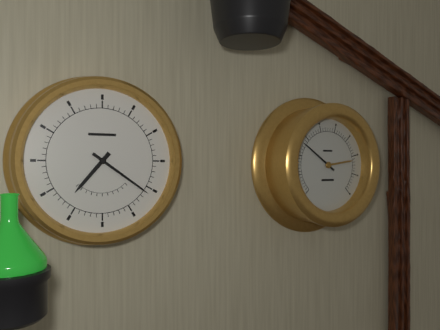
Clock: 7:21
